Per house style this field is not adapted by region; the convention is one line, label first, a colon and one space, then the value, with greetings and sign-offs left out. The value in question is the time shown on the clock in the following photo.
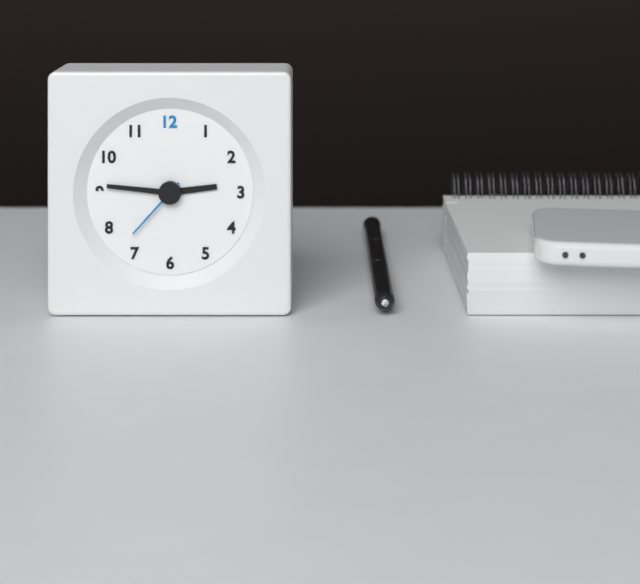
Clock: 2:46:37
